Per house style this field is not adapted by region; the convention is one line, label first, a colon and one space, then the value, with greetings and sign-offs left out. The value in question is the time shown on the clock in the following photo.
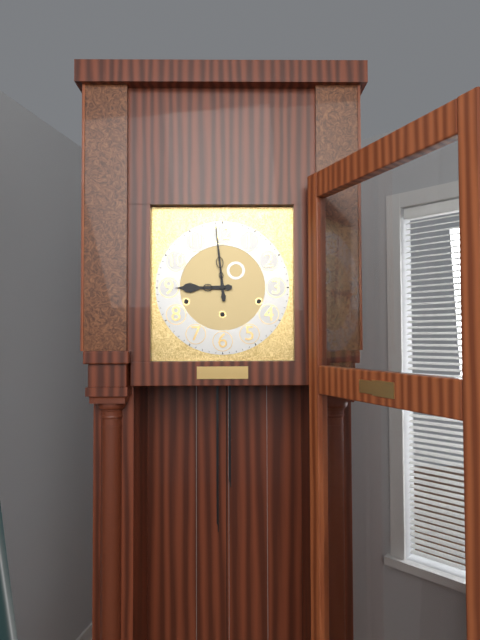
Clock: 8:59
